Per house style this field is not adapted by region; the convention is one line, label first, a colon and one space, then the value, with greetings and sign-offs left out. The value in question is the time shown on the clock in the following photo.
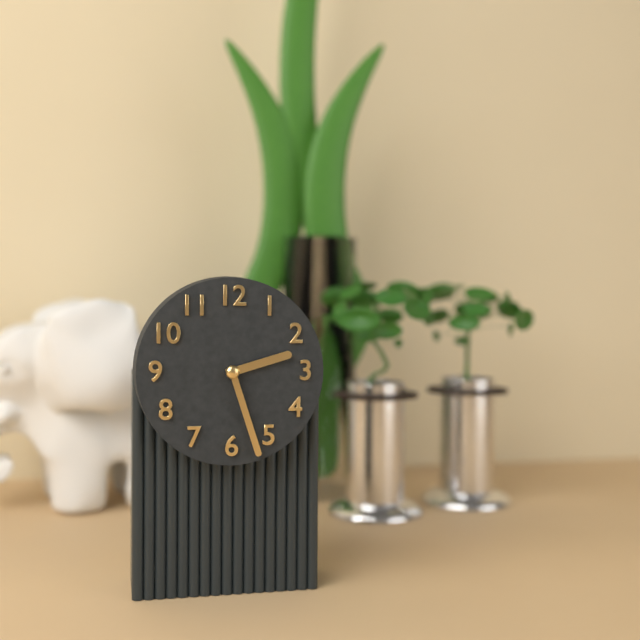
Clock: 2:27
